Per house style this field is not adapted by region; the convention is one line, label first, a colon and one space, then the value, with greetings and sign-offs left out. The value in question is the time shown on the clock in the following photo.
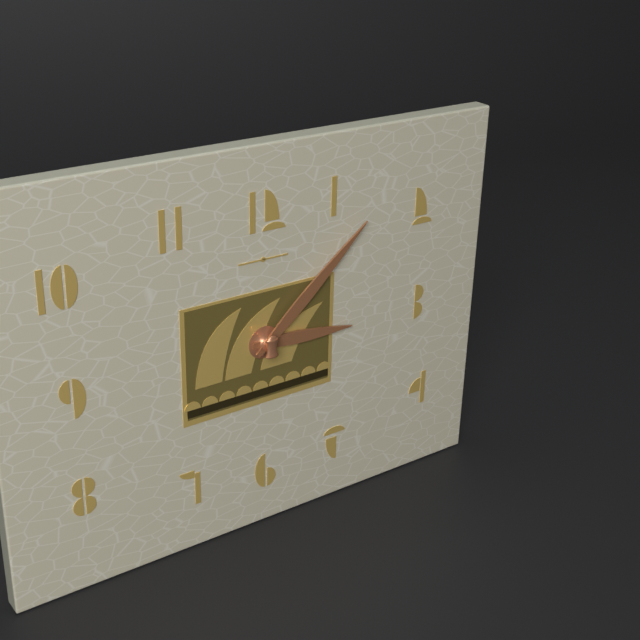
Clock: 3:08
